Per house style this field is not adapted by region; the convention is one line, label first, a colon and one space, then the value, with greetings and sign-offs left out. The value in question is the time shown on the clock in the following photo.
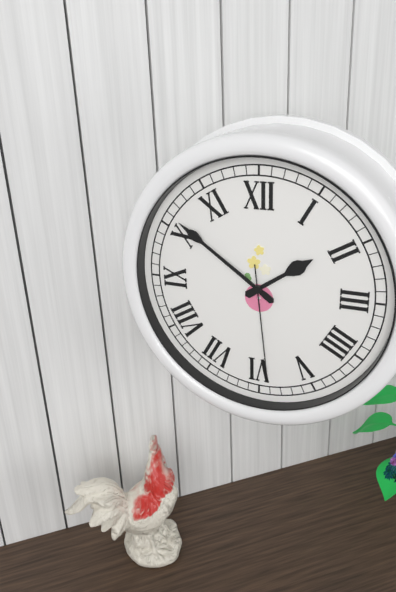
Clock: 1:51:29
